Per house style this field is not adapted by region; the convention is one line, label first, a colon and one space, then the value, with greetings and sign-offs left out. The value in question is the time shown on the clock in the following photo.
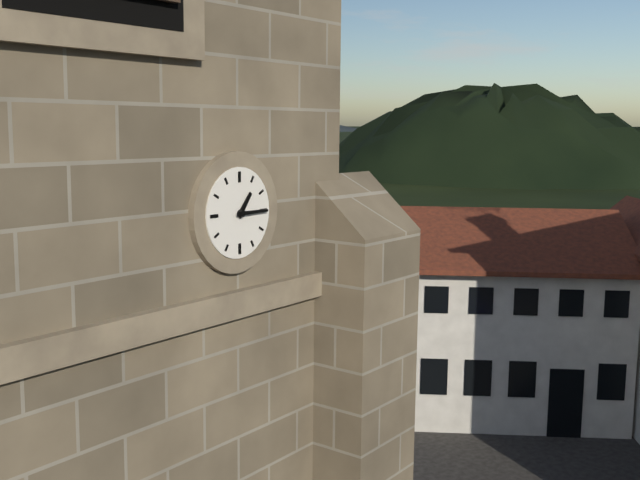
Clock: 1:15
